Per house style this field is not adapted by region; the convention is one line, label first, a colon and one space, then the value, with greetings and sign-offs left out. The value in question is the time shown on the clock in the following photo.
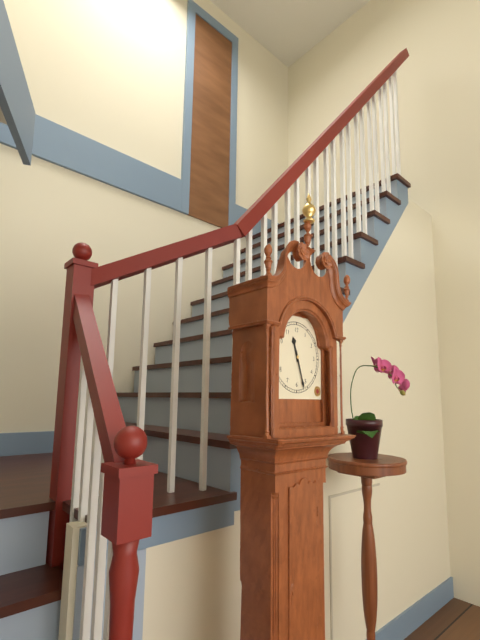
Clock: 11:27
